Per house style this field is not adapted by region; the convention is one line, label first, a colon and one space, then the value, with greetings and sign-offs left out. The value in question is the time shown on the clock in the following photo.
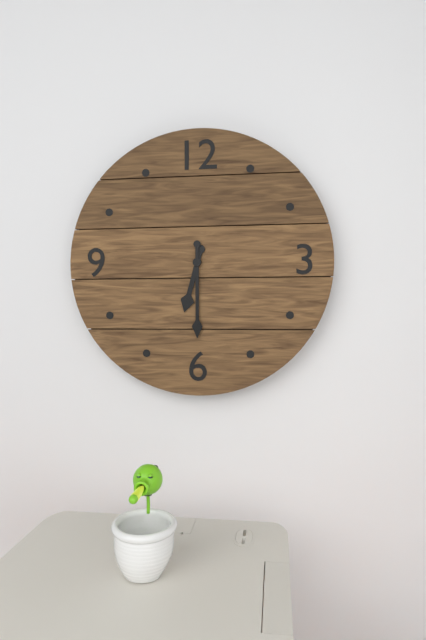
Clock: 6:30
